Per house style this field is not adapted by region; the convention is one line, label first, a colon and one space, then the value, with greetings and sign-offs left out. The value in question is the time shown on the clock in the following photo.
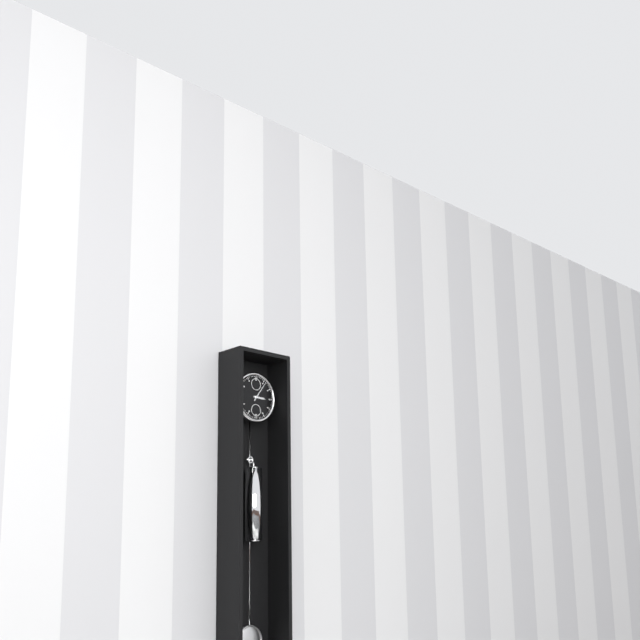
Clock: 3:06
